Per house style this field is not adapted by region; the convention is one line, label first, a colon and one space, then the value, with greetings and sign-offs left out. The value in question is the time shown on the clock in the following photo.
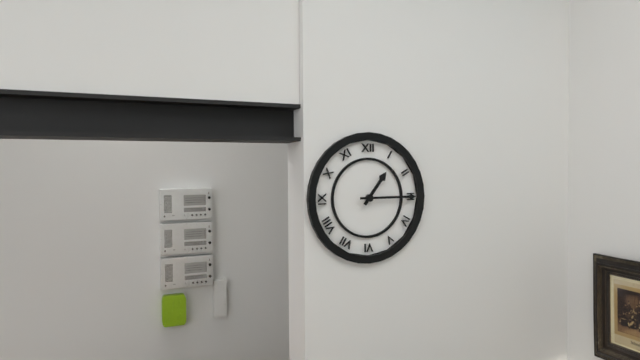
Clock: 1:15
